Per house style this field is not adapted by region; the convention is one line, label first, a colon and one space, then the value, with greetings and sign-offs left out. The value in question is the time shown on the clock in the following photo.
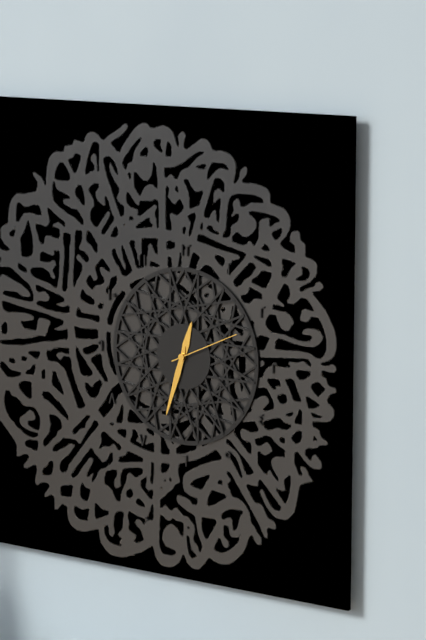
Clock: 12:33:11
